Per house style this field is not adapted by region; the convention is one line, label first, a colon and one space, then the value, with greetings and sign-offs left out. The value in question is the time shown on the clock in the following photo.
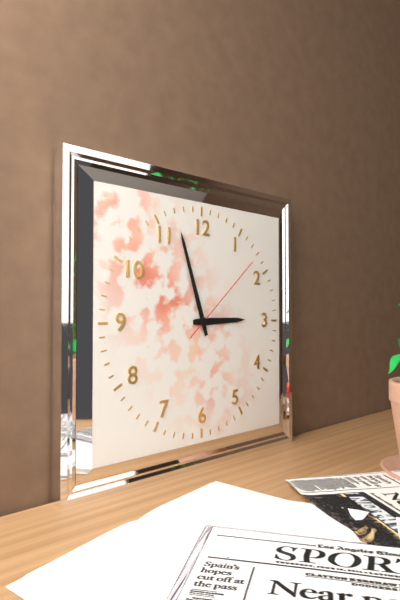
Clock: 2:57:08
